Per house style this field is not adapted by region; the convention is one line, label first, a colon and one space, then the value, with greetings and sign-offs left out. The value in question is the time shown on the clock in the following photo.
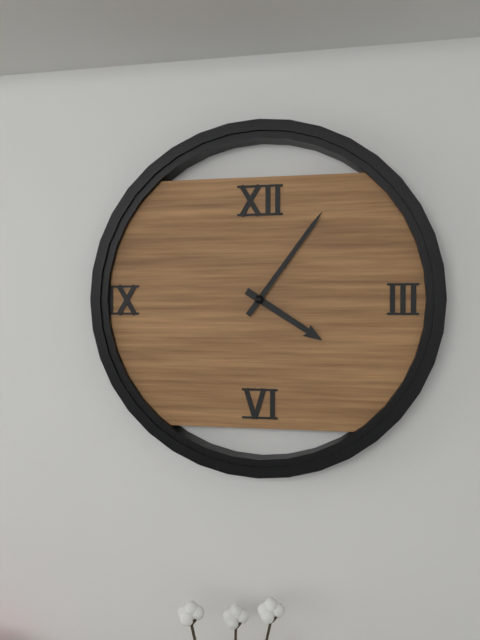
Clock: 4:06
